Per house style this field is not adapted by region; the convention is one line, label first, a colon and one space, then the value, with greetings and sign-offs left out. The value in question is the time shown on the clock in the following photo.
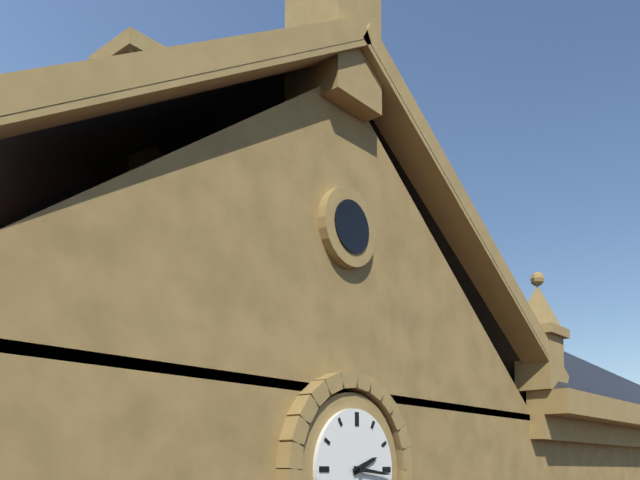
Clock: 2:16
